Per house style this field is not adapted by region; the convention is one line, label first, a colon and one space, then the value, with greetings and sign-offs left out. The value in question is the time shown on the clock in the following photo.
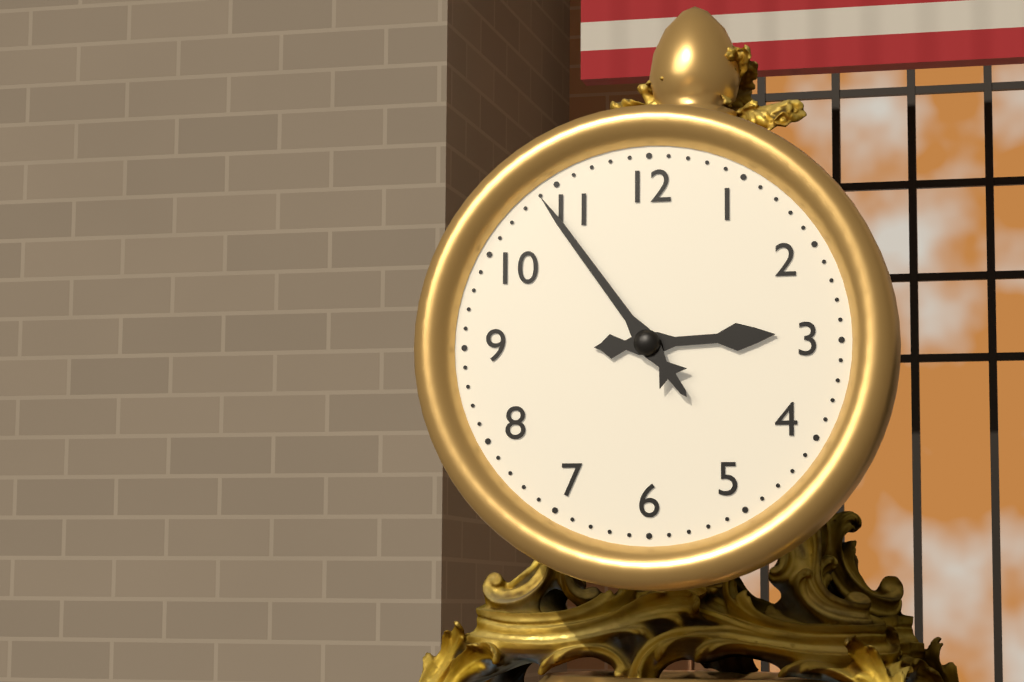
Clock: 2:54
